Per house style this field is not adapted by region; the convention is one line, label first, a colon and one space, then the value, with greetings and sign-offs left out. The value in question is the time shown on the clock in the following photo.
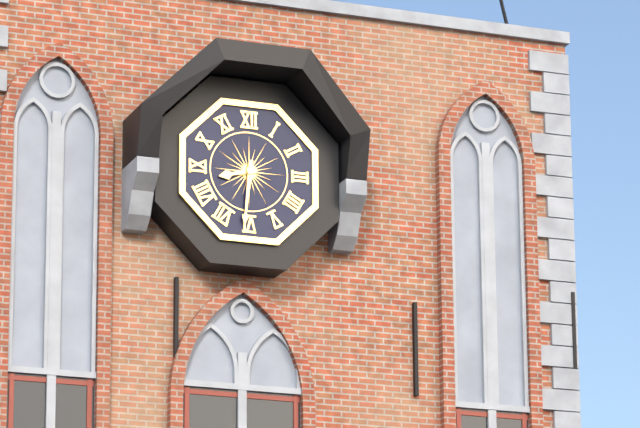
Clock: 8:31
